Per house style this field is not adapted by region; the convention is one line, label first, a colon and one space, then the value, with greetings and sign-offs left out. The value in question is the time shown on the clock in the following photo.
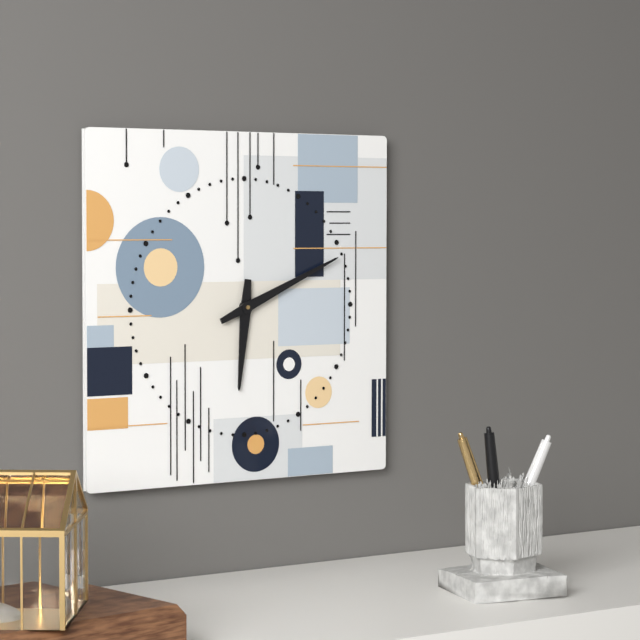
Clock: 6:11
